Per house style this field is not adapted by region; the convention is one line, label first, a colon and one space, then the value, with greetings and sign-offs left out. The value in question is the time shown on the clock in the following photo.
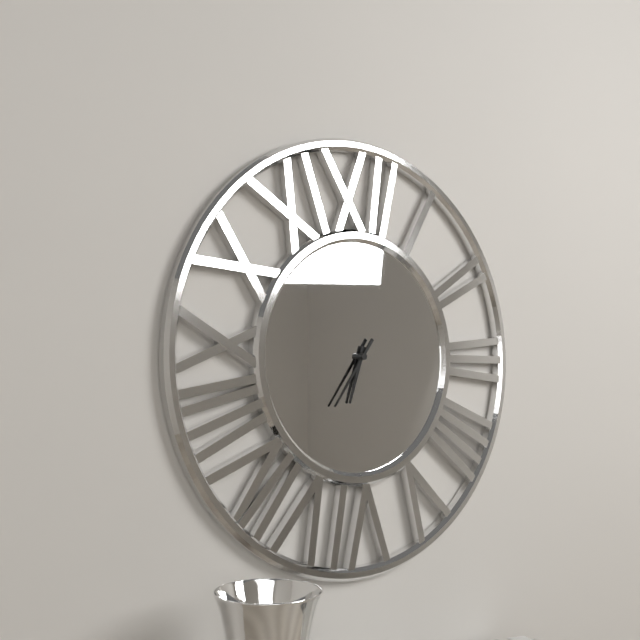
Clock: 6:36
